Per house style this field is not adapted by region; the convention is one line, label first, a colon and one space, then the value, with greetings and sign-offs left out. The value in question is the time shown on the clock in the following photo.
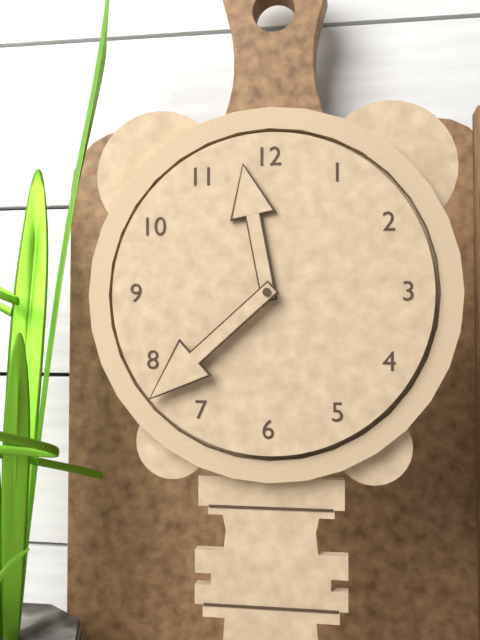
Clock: 11:38
